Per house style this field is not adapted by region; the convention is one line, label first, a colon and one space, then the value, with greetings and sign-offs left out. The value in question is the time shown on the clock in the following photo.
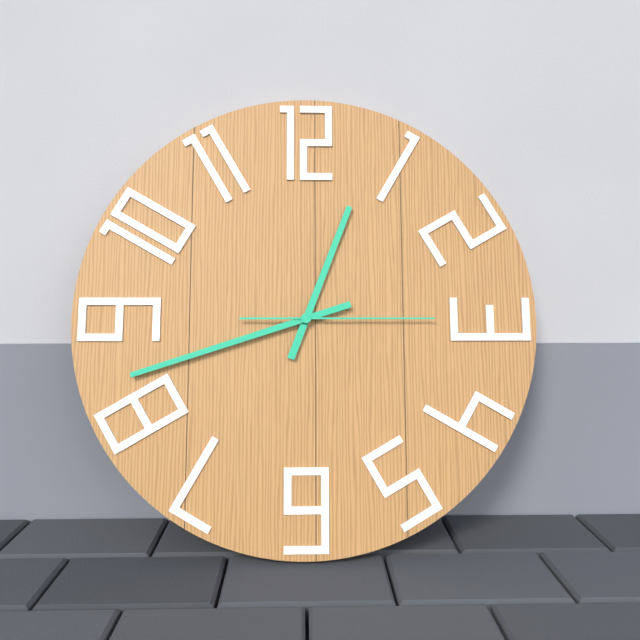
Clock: 12:42:15
